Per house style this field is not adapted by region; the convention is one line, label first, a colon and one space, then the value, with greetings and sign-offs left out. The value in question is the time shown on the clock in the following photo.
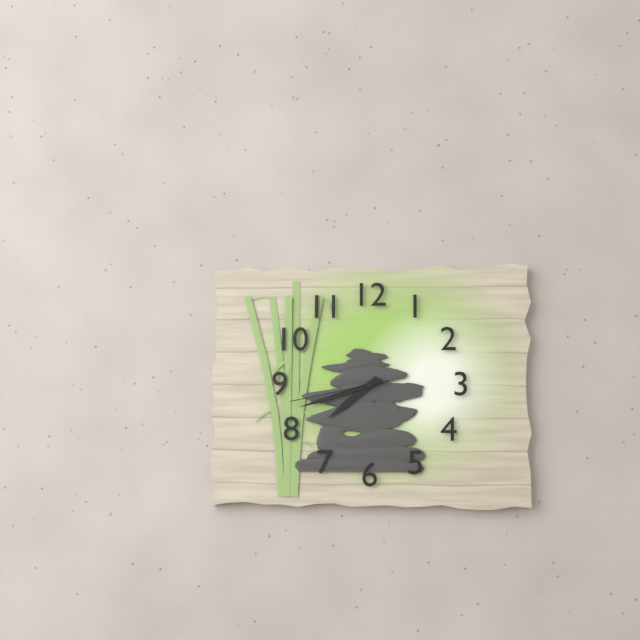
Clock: 7:42:43
